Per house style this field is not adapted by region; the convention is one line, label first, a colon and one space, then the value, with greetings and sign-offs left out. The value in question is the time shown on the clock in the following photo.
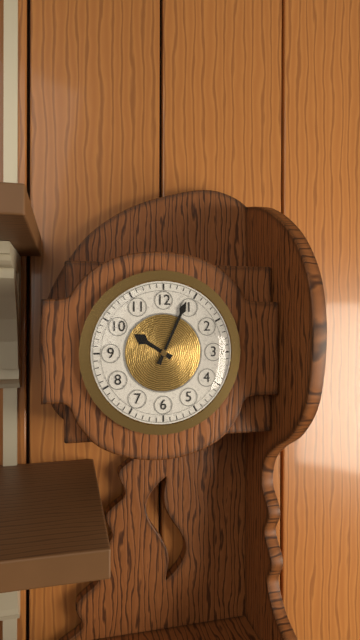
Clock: 10:04
